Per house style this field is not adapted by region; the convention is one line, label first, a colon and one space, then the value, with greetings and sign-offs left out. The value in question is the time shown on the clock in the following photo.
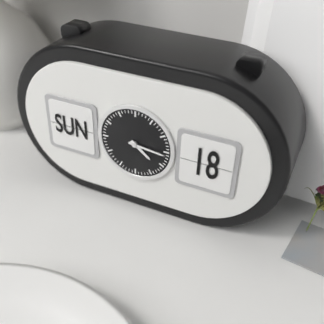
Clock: 4:16
